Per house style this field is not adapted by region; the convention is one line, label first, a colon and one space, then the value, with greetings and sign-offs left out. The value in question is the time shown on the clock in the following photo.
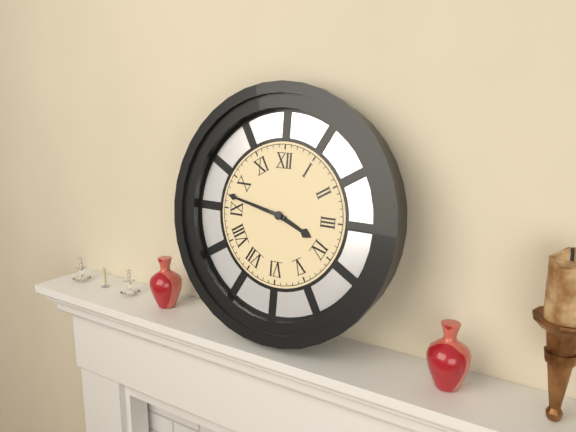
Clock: 3:47
